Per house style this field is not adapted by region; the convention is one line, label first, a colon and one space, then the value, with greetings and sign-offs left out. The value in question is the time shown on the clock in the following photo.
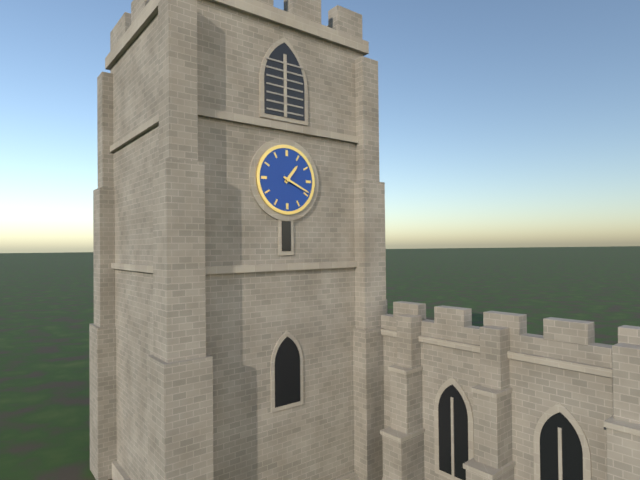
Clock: 1:19
